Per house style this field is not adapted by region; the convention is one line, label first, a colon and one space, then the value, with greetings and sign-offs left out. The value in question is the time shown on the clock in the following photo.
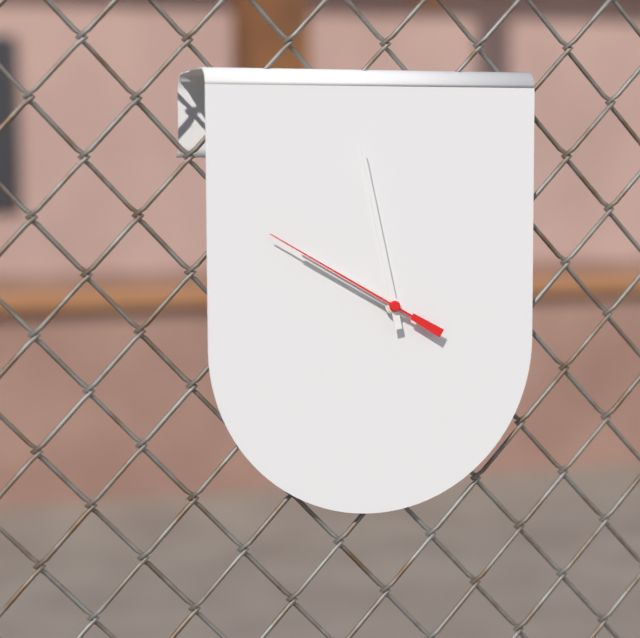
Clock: 9:58:50
